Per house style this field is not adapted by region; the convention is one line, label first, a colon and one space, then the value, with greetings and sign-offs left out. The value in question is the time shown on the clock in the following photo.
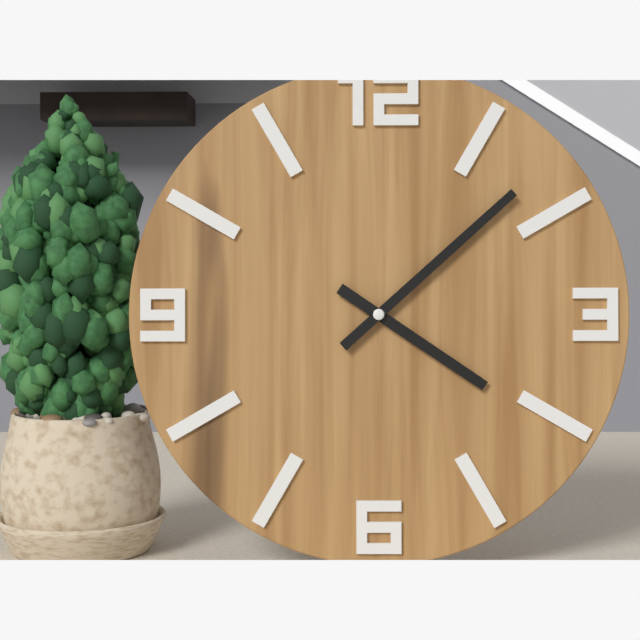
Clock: 4:08
